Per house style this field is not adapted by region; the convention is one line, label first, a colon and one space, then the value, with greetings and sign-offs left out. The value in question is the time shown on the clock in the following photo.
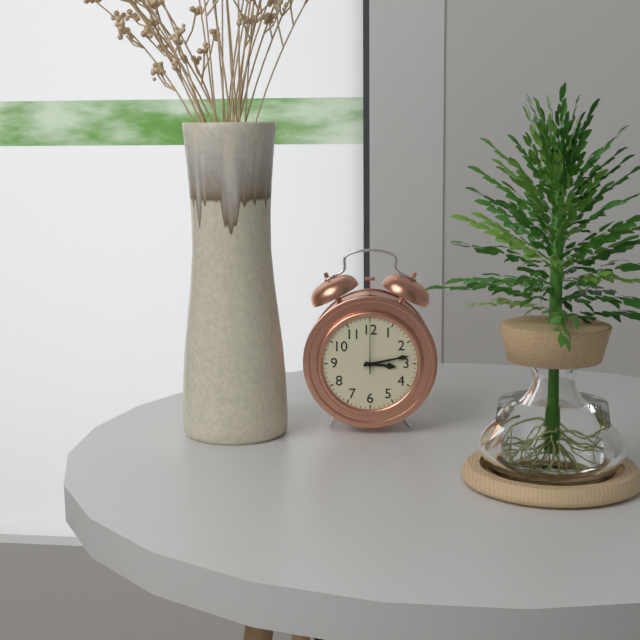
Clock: 3:13:00
